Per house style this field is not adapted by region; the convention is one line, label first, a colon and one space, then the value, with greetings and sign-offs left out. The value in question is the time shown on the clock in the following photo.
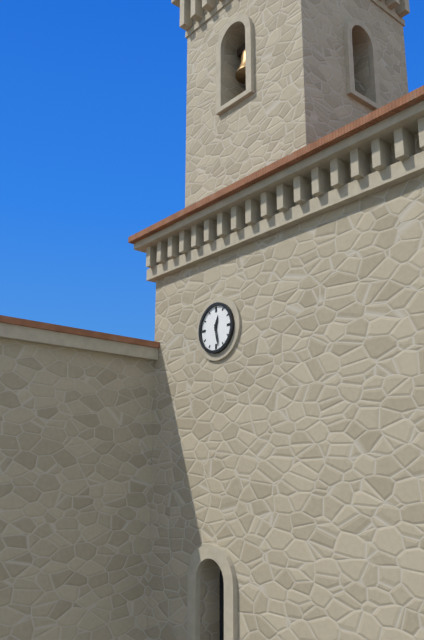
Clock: 12:28
